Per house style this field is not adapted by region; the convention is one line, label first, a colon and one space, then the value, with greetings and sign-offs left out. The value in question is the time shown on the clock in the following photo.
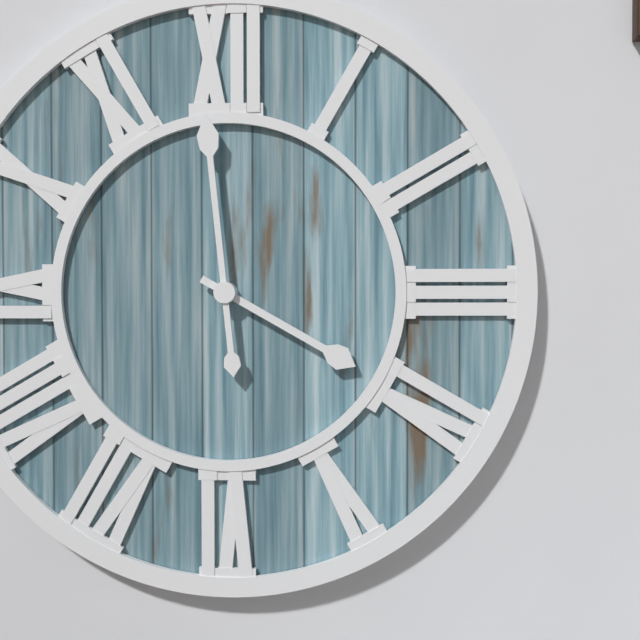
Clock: 3:59
